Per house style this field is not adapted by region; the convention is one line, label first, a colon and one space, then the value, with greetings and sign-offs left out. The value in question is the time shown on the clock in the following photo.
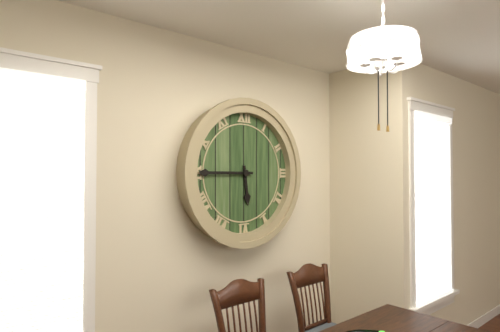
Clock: 5:45
